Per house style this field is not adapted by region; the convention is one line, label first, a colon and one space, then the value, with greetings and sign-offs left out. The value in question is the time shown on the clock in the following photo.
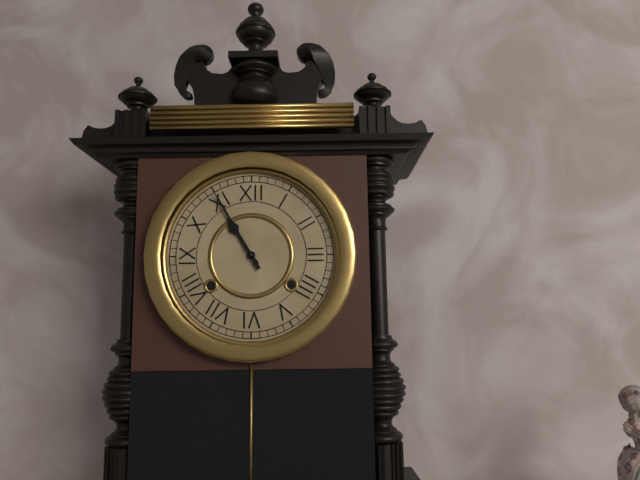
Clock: 10:55
